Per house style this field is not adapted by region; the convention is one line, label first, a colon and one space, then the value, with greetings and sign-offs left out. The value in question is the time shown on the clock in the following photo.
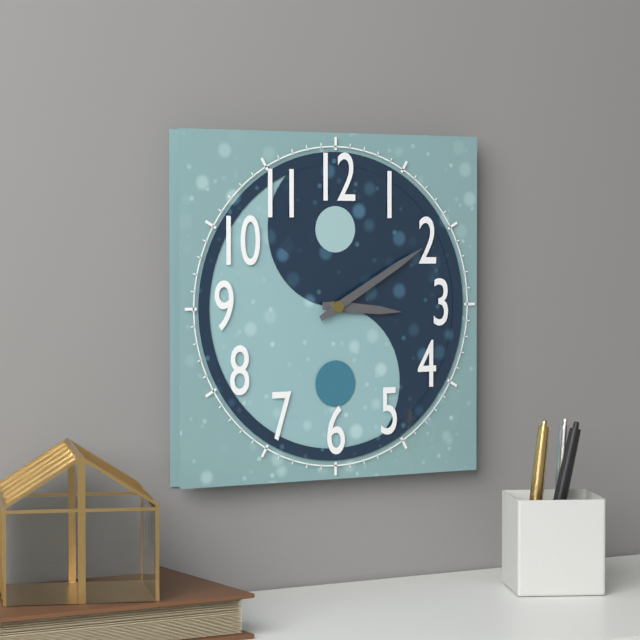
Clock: 3:10
